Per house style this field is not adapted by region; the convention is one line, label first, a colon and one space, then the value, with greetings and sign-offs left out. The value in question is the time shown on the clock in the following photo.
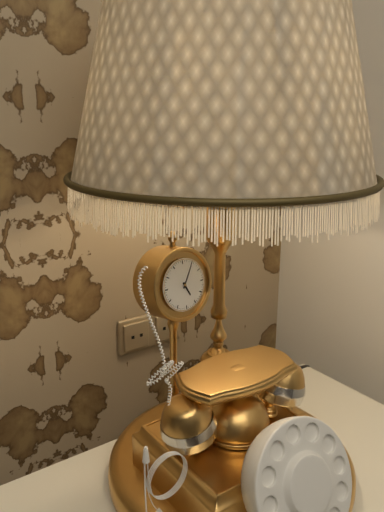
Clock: 5:05
